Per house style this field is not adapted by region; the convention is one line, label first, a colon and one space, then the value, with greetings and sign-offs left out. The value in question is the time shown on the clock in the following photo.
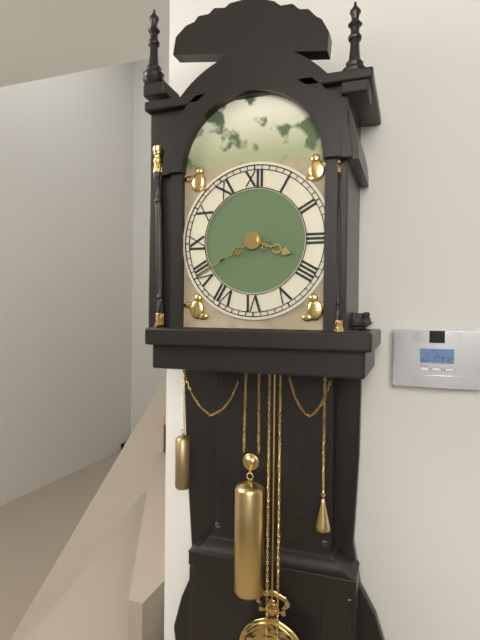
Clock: 3:40
